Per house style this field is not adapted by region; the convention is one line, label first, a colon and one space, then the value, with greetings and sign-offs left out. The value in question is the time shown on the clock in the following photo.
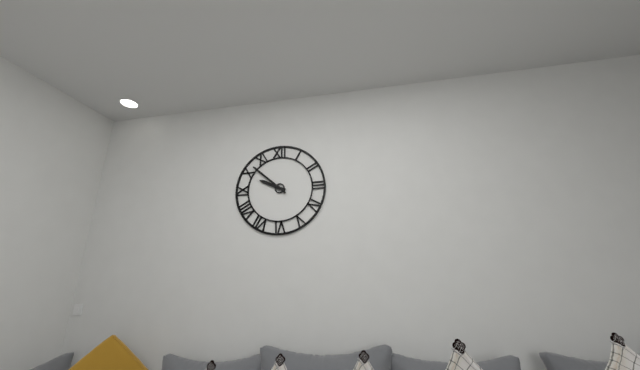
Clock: 9:52
